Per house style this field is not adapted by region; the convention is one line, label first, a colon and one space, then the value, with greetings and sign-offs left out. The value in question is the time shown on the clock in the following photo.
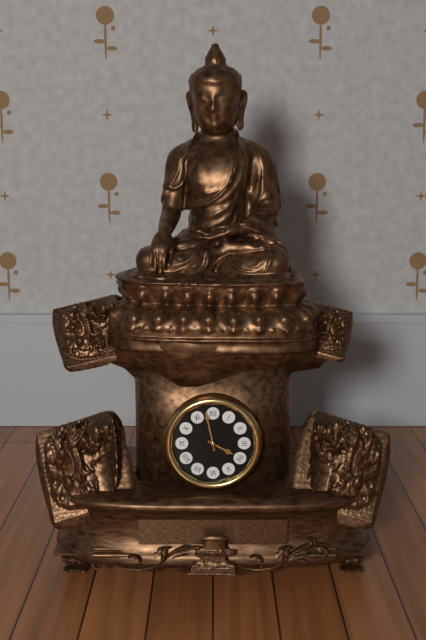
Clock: 3:58
